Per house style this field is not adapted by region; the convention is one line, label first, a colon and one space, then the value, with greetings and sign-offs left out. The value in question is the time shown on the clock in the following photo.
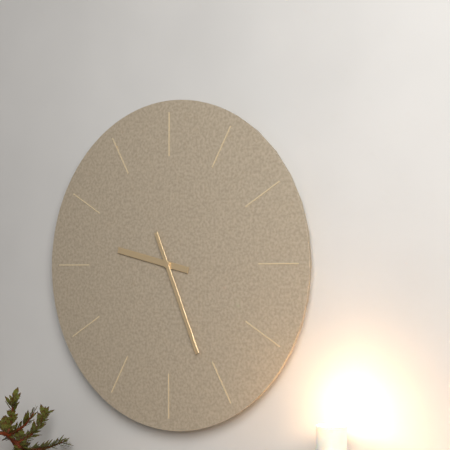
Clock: 9:26
